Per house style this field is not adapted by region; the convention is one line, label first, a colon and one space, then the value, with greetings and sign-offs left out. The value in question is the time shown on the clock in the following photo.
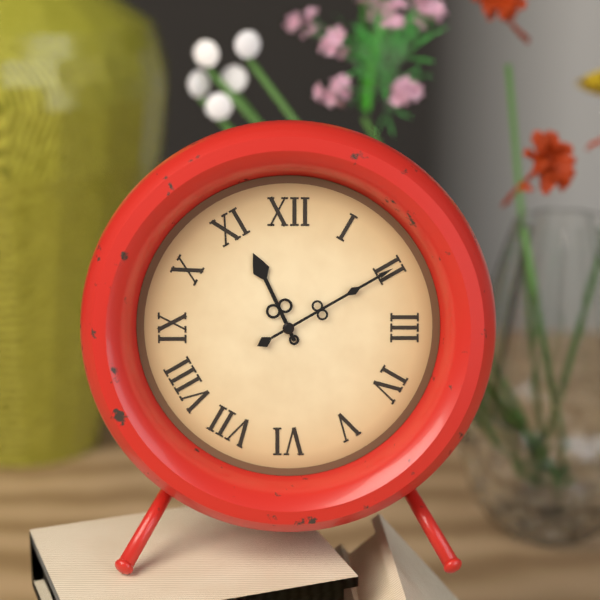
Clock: 11:10
